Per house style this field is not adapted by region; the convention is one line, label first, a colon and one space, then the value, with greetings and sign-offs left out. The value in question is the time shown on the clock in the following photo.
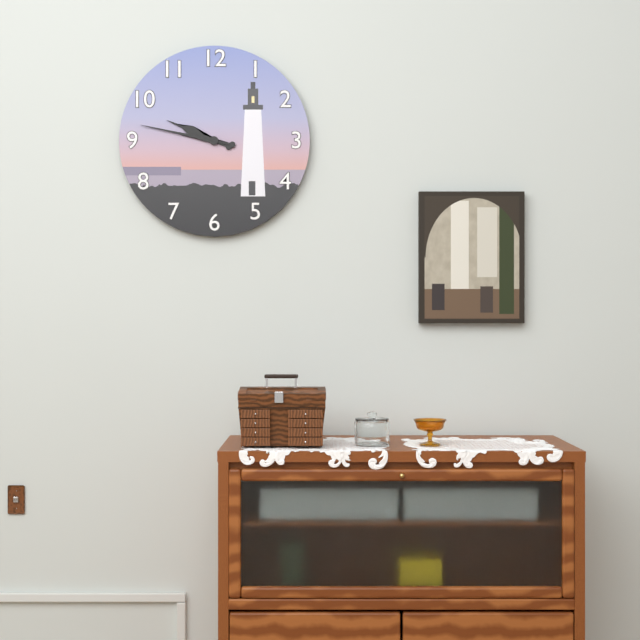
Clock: 9:47
